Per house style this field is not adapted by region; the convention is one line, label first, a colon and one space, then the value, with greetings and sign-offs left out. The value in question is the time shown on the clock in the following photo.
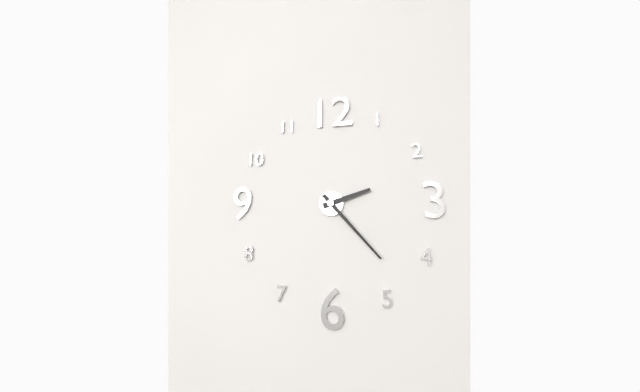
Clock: 2:23
